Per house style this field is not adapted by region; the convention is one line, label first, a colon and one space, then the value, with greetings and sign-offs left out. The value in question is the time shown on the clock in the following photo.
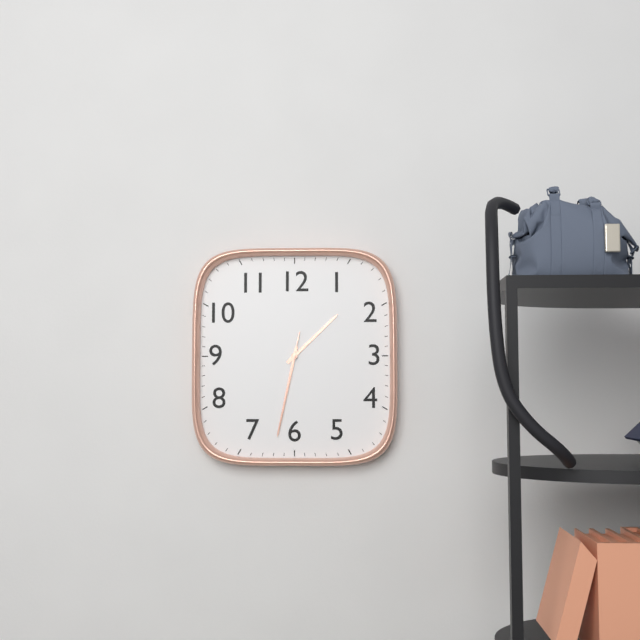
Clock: 1:32:32
